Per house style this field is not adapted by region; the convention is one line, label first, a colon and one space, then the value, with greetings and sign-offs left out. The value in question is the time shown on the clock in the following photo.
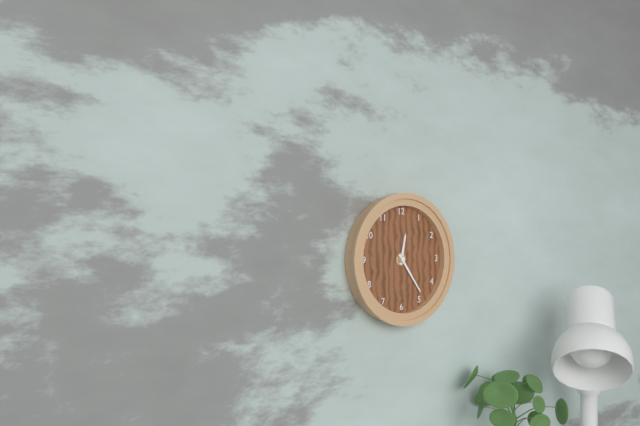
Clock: 12:24
